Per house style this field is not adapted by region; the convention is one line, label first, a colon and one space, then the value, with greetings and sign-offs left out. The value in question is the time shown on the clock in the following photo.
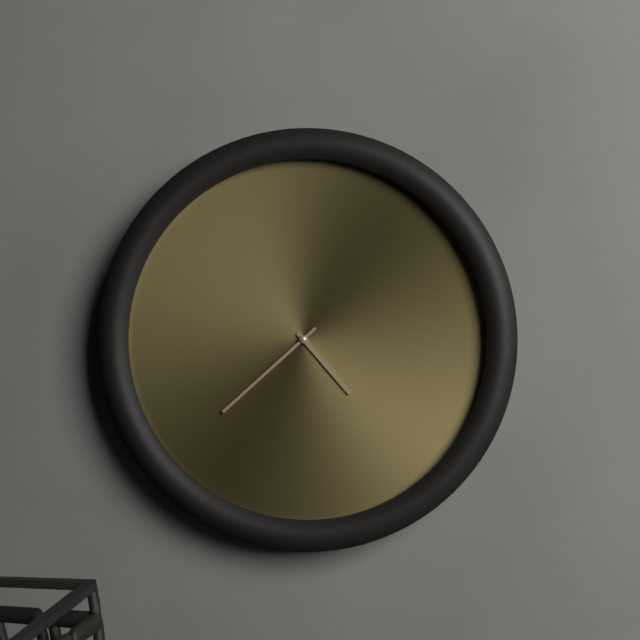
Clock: 4:38
